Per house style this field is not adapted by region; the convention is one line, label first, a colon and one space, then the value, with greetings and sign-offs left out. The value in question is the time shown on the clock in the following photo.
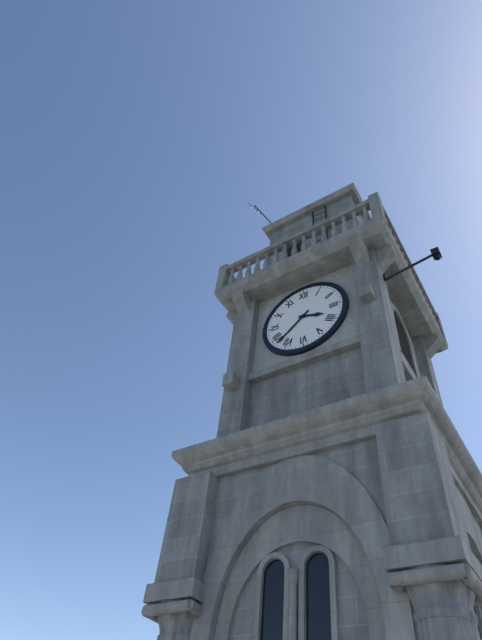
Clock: 3:38
